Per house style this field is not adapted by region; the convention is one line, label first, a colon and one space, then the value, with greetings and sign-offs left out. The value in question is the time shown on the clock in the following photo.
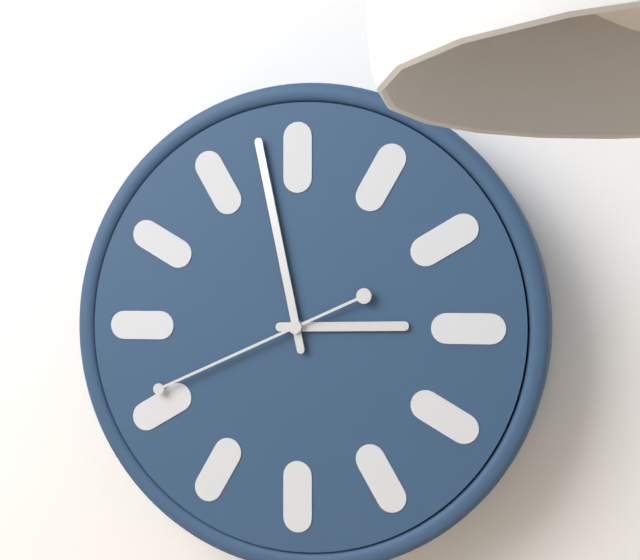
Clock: 2:58:41
